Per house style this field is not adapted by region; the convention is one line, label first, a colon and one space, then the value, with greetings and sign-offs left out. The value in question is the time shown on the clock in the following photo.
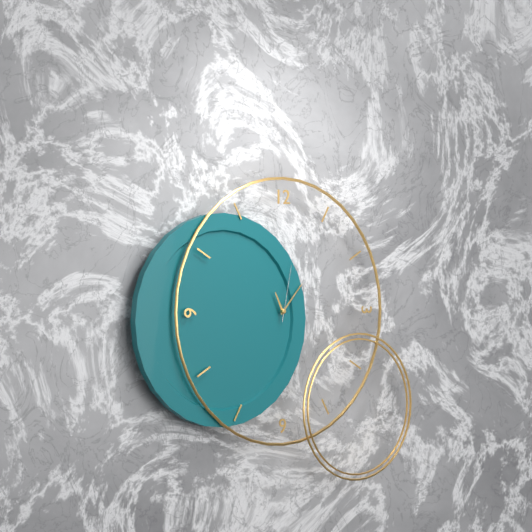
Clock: 11:07:02
